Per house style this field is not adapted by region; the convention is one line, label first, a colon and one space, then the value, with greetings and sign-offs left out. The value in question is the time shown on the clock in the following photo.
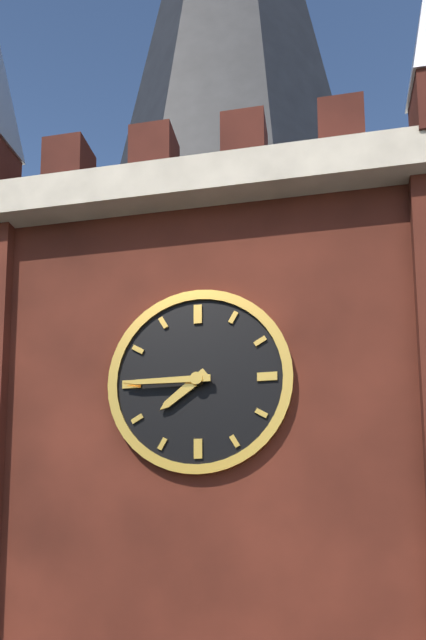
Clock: 7:45
